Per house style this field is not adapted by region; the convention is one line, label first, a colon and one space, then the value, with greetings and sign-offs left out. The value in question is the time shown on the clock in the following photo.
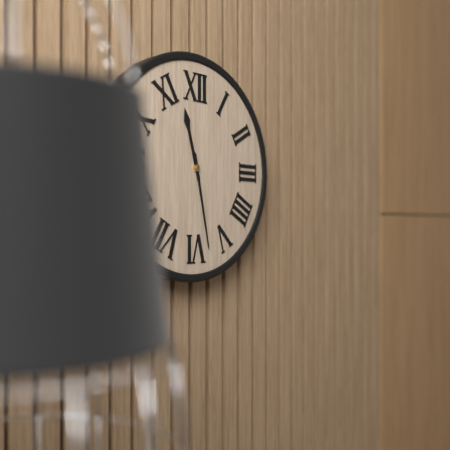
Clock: 11:28
